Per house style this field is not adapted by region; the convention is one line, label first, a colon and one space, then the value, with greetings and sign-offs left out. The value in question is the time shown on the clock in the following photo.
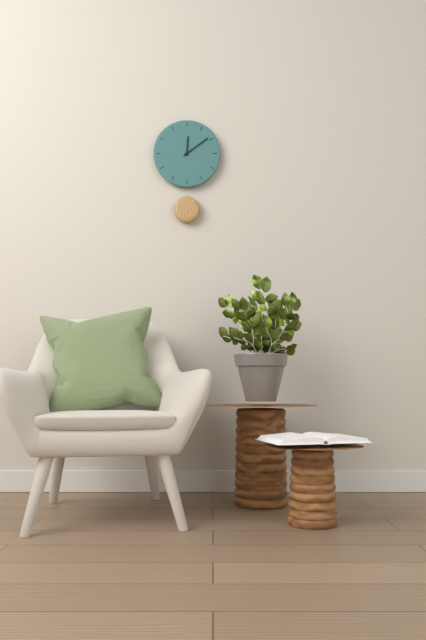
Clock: 12:09
